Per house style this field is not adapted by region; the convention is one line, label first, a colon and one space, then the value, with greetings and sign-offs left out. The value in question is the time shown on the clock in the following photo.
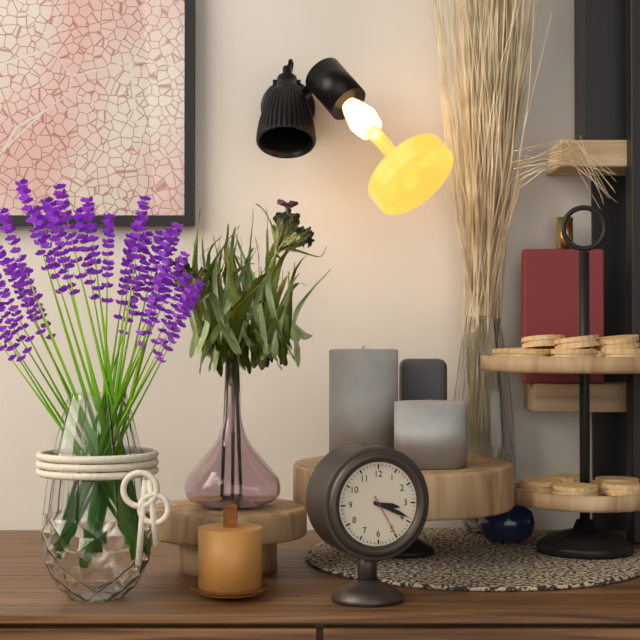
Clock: 3:19
